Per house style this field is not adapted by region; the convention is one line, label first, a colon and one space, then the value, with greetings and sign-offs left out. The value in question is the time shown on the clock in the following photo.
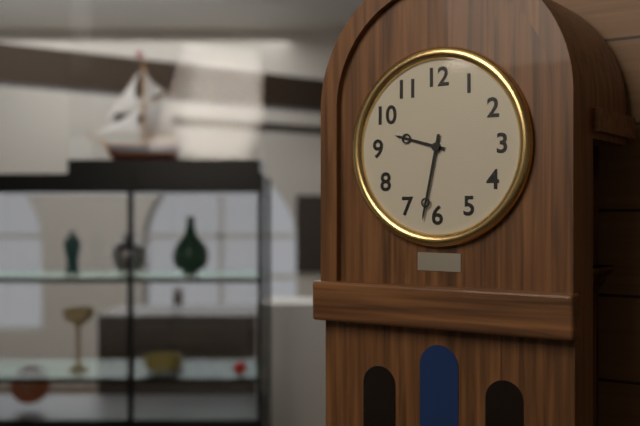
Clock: 9:32
